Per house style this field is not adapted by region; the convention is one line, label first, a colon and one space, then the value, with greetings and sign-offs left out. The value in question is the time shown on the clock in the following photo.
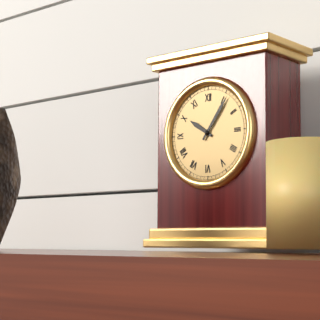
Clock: 10:06
